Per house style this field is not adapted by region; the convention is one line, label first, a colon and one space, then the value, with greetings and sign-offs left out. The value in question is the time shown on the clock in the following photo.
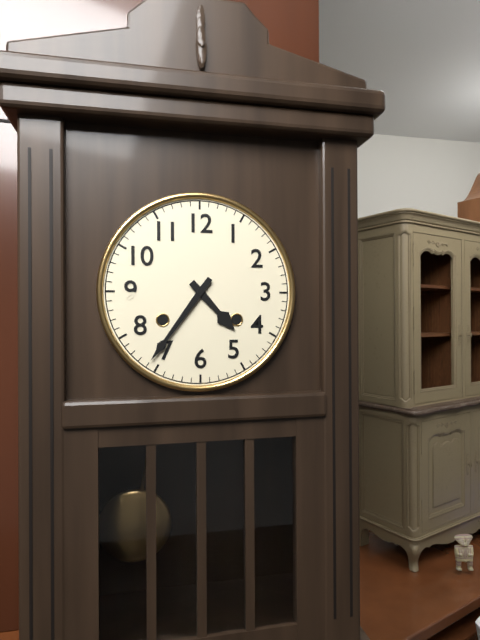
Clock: 4:36
